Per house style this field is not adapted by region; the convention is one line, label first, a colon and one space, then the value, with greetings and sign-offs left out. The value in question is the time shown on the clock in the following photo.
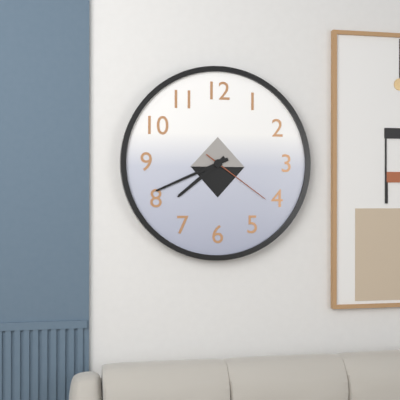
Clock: 7:41:21
